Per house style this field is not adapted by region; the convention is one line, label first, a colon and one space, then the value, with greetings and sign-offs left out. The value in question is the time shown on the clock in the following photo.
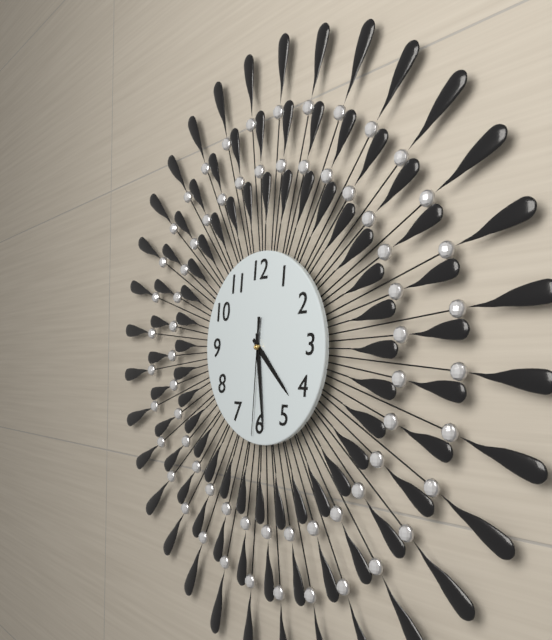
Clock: 4:29:31
